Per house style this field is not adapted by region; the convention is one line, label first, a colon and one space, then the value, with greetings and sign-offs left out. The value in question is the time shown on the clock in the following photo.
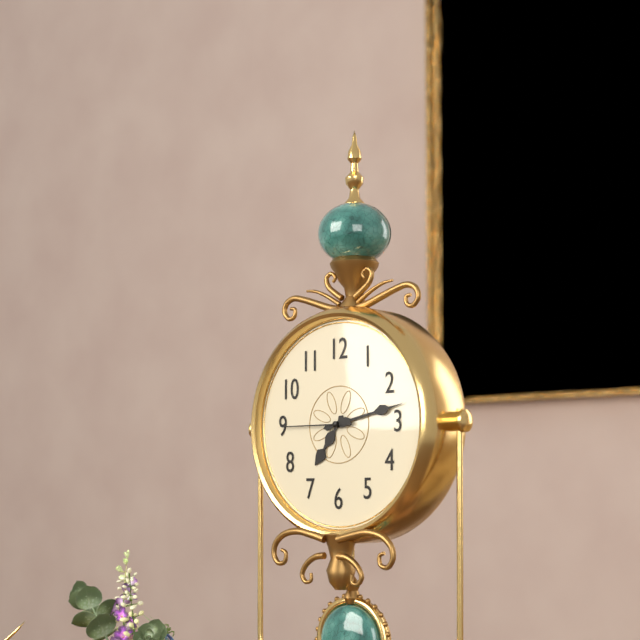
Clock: 7:13:45
